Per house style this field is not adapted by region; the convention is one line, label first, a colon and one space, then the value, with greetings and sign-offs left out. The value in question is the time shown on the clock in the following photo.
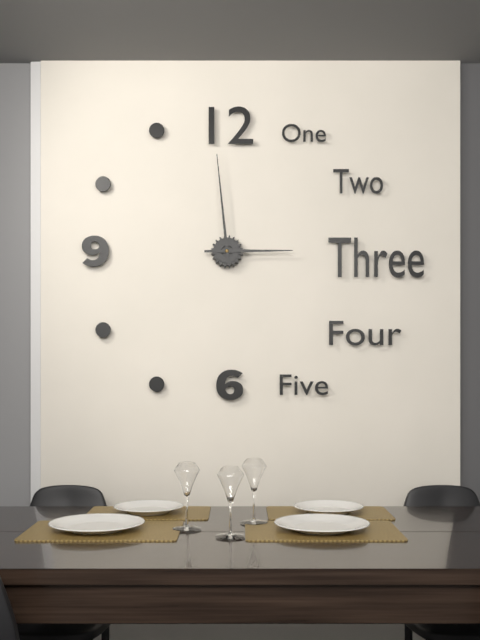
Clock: 2:59
